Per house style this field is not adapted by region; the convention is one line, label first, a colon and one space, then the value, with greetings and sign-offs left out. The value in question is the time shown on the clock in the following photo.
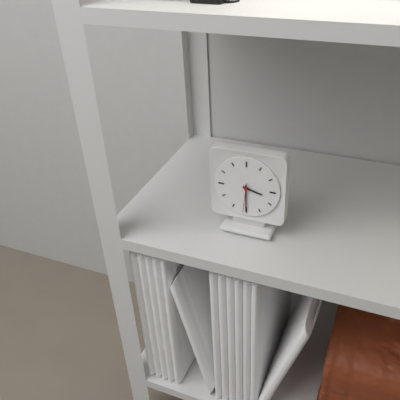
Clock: 3:30
